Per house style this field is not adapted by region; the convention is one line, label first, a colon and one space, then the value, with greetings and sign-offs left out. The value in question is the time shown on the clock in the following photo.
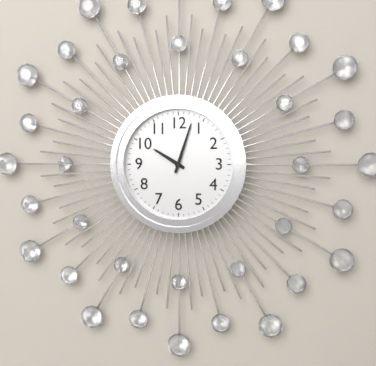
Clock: 10:03
